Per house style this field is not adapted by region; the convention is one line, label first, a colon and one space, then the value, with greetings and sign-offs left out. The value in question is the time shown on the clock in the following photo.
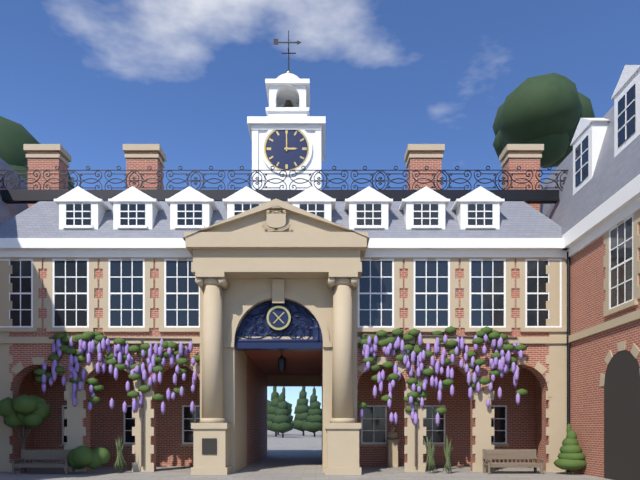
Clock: 3:00
